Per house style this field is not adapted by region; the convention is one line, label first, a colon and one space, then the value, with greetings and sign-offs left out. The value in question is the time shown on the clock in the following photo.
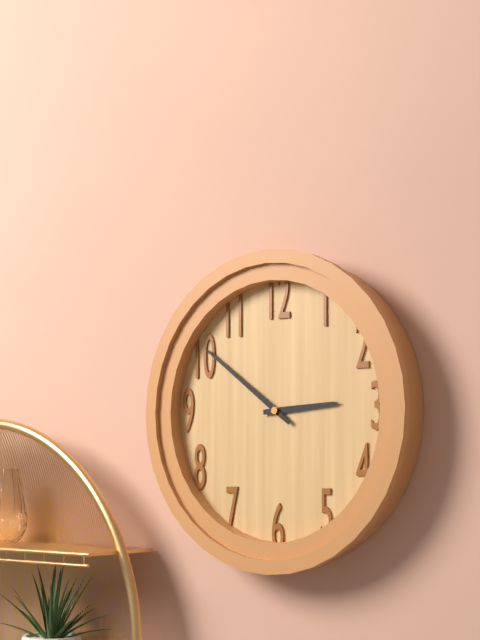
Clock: 2:51
